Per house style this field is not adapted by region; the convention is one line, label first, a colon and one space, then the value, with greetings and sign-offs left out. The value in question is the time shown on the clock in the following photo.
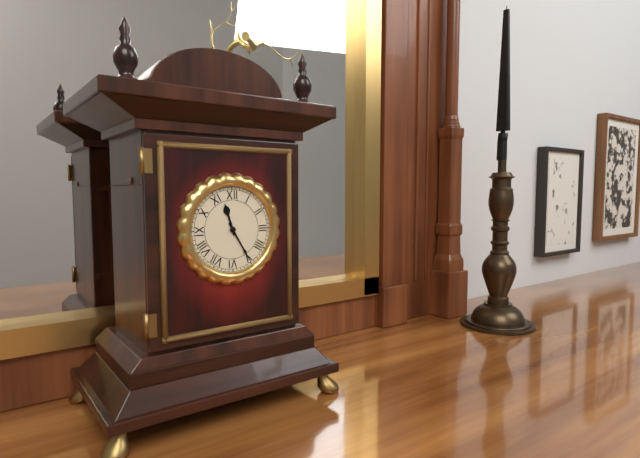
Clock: 11:25
